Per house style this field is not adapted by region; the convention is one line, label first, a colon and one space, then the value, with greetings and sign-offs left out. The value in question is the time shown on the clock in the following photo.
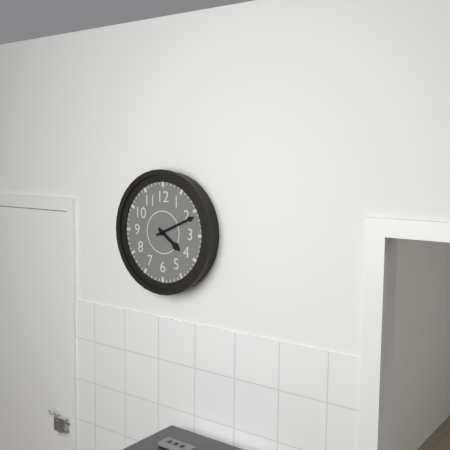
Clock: 4:11
